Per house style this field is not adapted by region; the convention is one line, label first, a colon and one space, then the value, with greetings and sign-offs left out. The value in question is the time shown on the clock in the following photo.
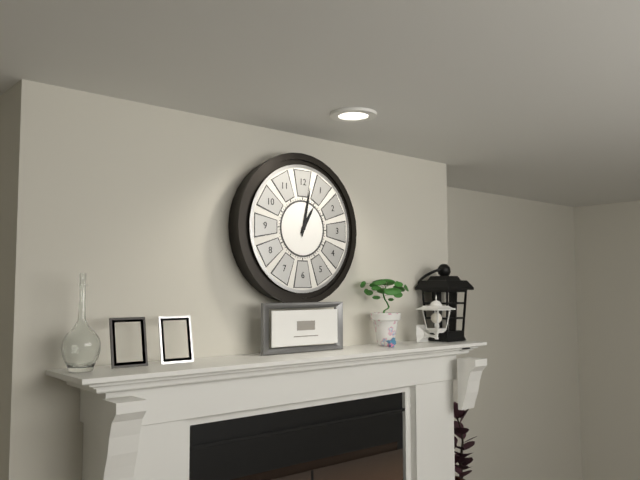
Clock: 1:02
